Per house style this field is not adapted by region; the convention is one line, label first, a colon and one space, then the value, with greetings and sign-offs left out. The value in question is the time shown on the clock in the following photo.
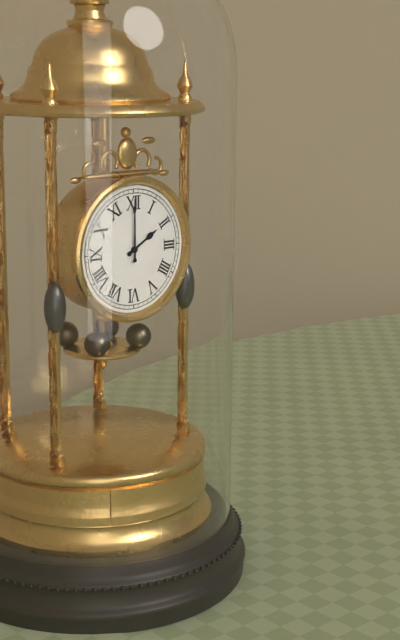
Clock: 2:00
